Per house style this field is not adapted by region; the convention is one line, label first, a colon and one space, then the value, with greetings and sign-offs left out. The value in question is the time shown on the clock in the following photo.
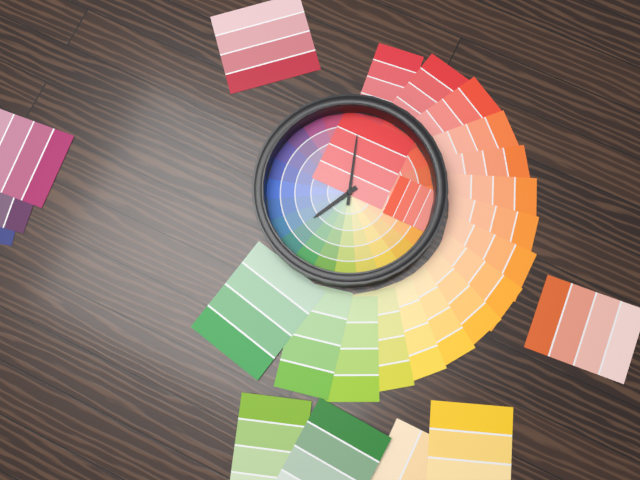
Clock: 6:57
